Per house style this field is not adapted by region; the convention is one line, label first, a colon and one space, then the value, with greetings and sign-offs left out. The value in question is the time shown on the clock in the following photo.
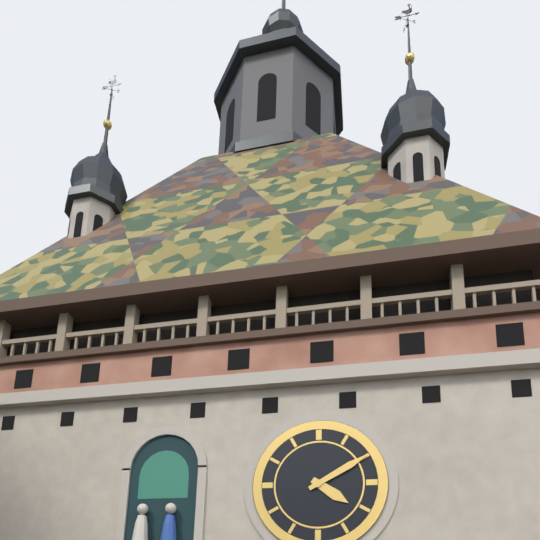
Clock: 4:10
